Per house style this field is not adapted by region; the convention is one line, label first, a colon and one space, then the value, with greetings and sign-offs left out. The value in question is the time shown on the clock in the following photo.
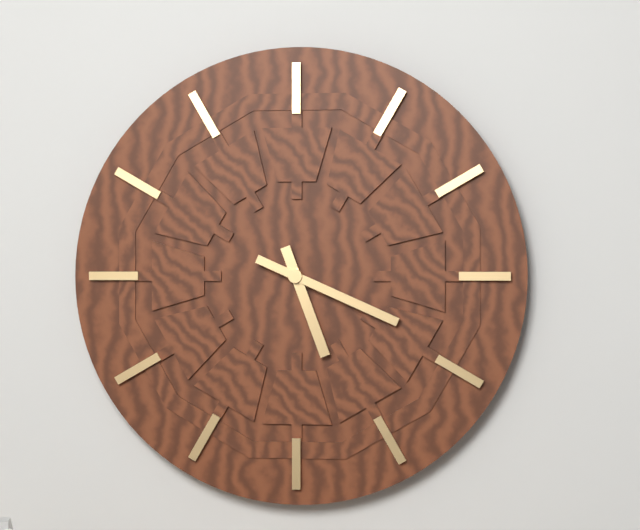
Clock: 5:19
